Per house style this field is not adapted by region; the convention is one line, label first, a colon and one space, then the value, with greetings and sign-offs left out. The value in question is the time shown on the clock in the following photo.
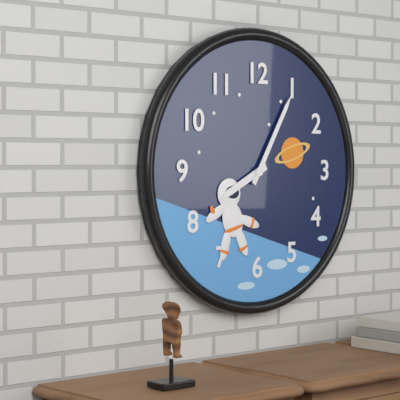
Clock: 8:05
